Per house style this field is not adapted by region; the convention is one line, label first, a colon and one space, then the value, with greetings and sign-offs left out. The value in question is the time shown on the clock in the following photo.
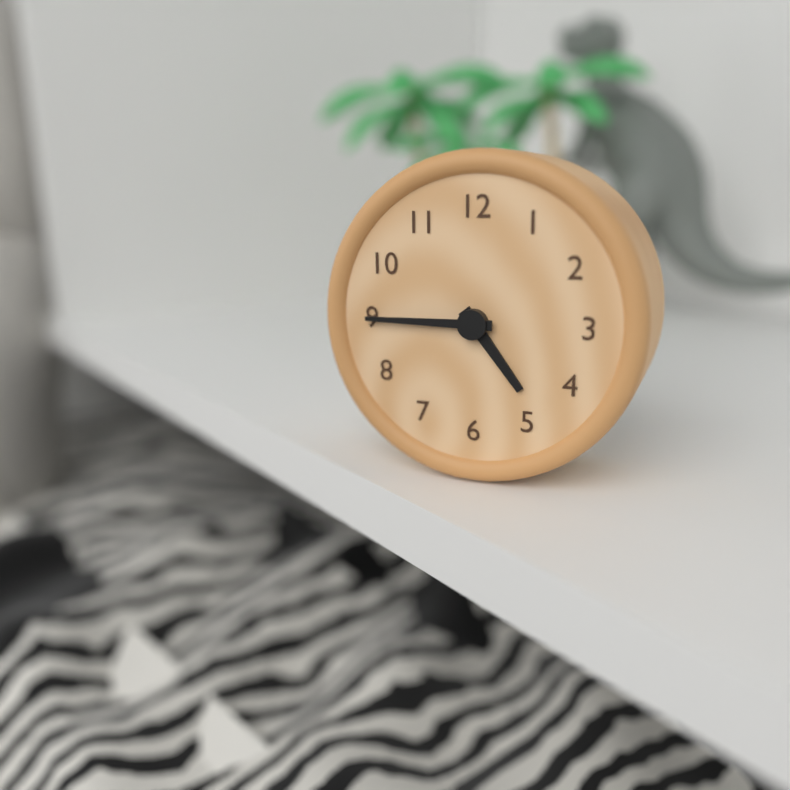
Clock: 4:45
